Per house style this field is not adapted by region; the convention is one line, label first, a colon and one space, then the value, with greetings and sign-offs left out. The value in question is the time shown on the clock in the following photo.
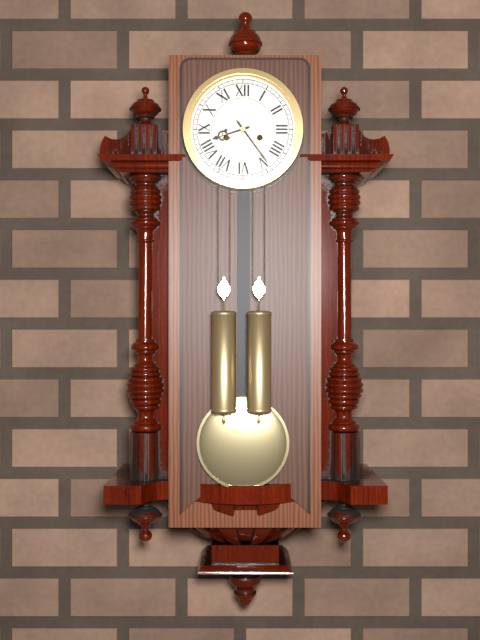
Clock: 8:24
